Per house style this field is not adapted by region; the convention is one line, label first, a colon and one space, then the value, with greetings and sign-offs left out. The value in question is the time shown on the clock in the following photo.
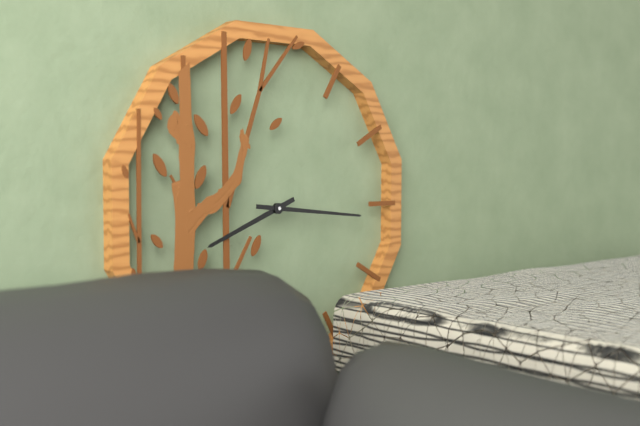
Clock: 8:16
